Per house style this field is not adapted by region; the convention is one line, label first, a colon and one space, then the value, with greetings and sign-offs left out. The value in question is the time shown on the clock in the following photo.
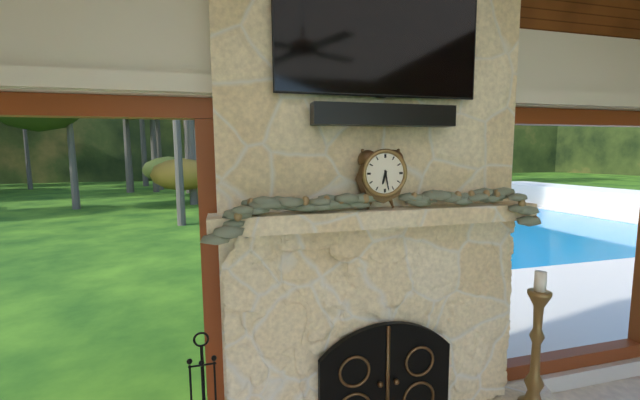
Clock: 6:28
